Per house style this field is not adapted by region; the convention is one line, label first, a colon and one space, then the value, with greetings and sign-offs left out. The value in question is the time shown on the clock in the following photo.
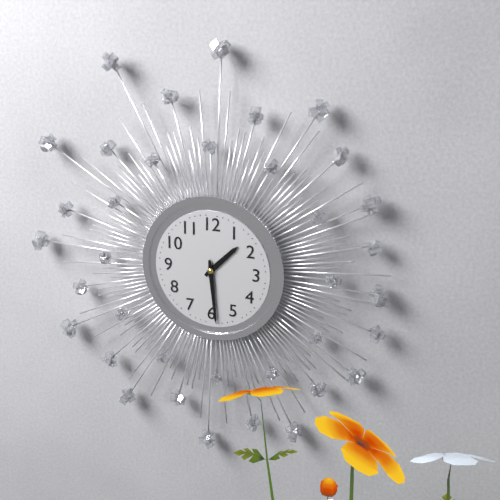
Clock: 1:29
